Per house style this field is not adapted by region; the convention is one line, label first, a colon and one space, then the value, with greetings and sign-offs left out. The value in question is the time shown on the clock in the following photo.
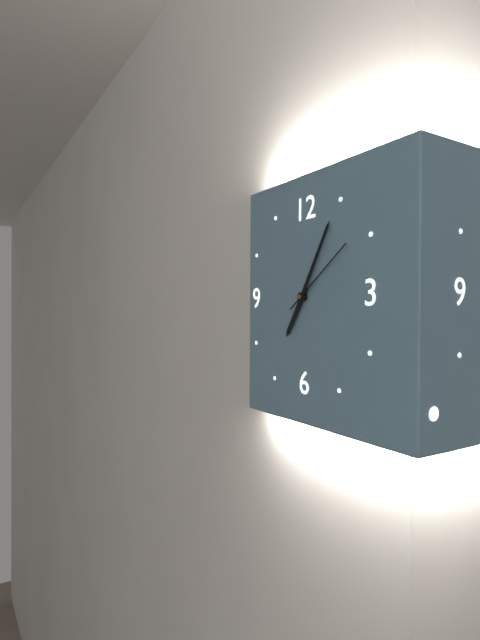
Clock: 7:05:09
